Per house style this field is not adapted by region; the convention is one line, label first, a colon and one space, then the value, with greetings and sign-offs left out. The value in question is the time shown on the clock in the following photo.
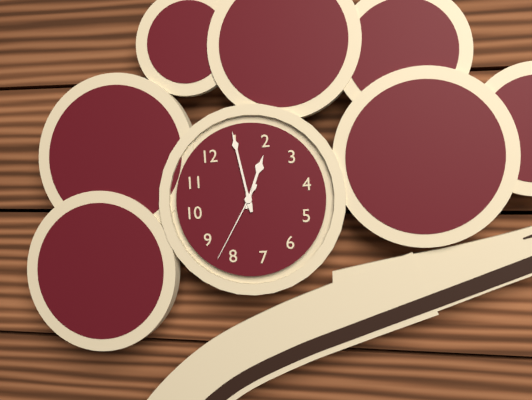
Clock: 2:05:42
